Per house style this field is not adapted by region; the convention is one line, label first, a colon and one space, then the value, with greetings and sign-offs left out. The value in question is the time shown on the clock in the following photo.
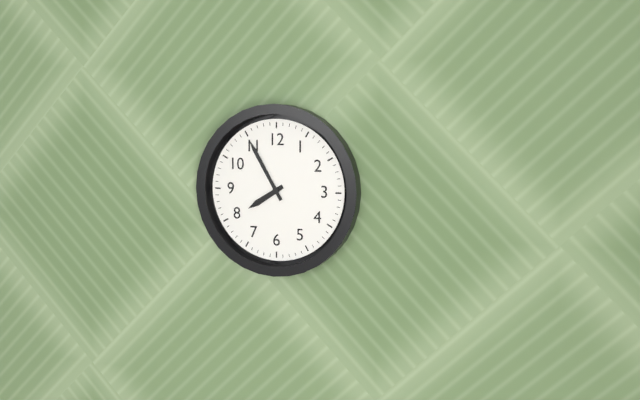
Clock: 7:55
